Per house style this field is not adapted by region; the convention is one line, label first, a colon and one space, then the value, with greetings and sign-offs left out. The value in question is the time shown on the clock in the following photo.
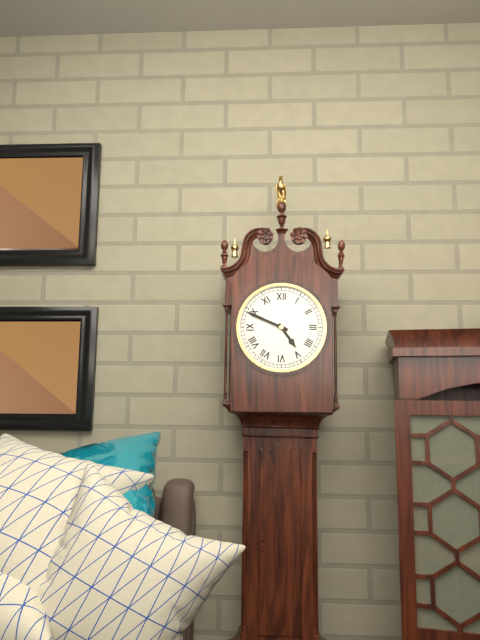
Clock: 4:49
